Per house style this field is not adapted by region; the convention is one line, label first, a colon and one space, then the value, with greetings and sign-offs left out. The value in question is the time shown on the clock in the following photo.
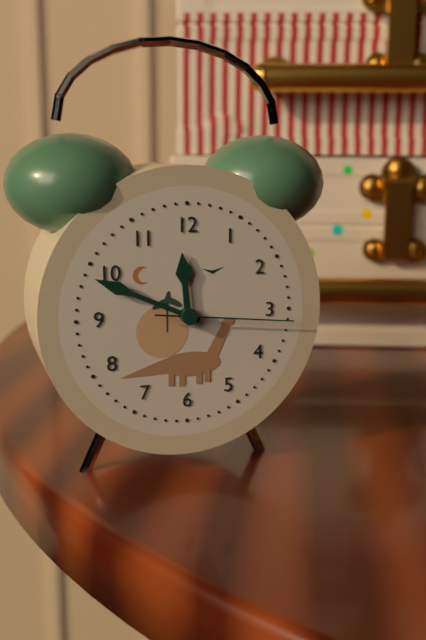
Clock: 11:49:16
